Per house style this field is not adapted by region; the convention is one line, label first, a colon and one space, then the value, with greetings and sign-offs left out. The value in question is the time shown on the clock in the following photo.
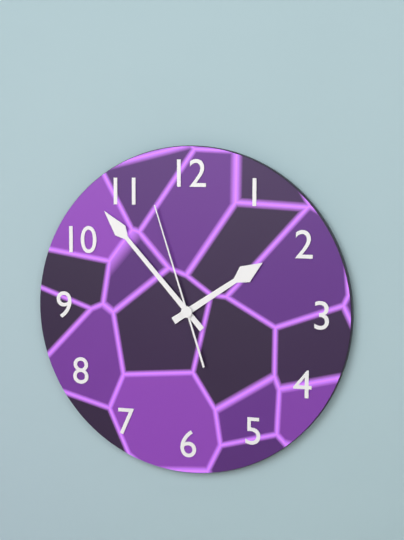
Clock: 1:53:57
